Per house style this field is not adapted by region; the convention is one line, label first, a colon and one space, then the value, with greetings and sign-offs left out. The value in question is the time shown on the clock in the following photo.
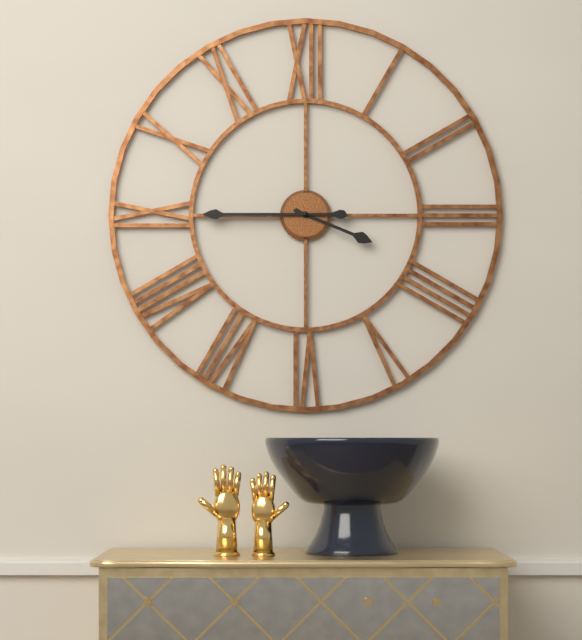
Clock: 3:45
